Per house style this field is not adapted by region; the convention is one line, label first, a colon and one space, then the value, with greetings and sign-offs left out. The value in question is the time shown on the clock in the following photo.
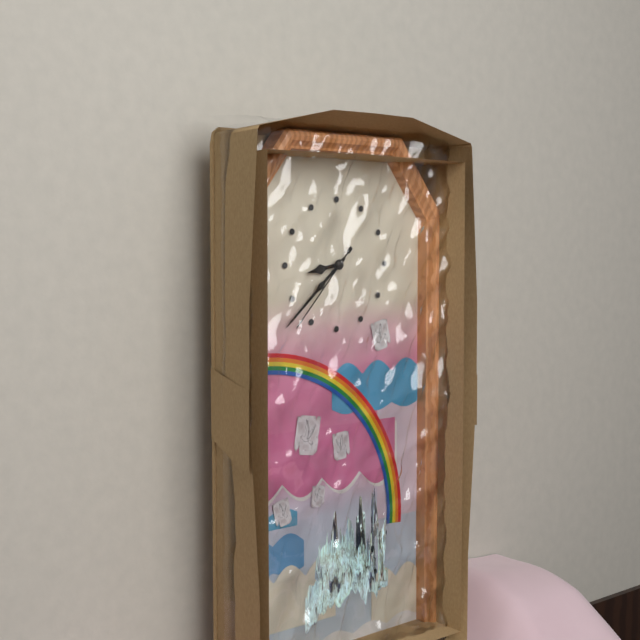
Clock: 8:38:37
